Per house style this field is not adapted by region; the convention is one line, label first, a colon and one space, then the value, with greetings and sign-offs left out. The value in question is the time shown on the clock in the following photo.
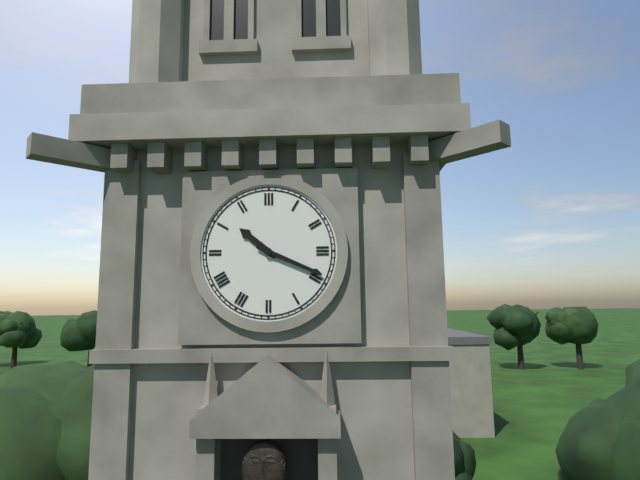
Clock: 10:19
